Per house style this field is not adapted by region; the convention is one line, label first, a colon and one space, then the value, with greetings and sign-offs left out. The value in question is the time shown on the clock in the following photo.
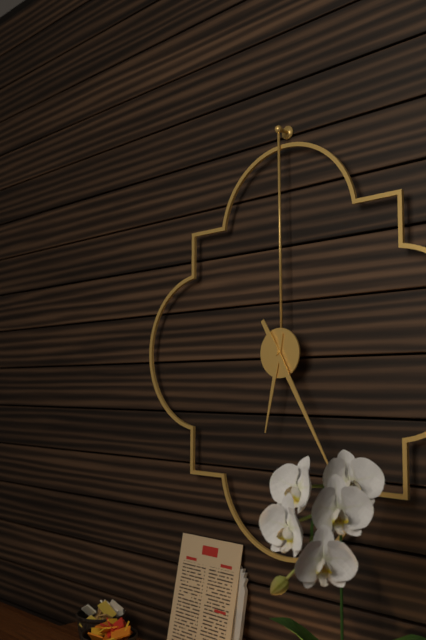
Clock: 6:25
